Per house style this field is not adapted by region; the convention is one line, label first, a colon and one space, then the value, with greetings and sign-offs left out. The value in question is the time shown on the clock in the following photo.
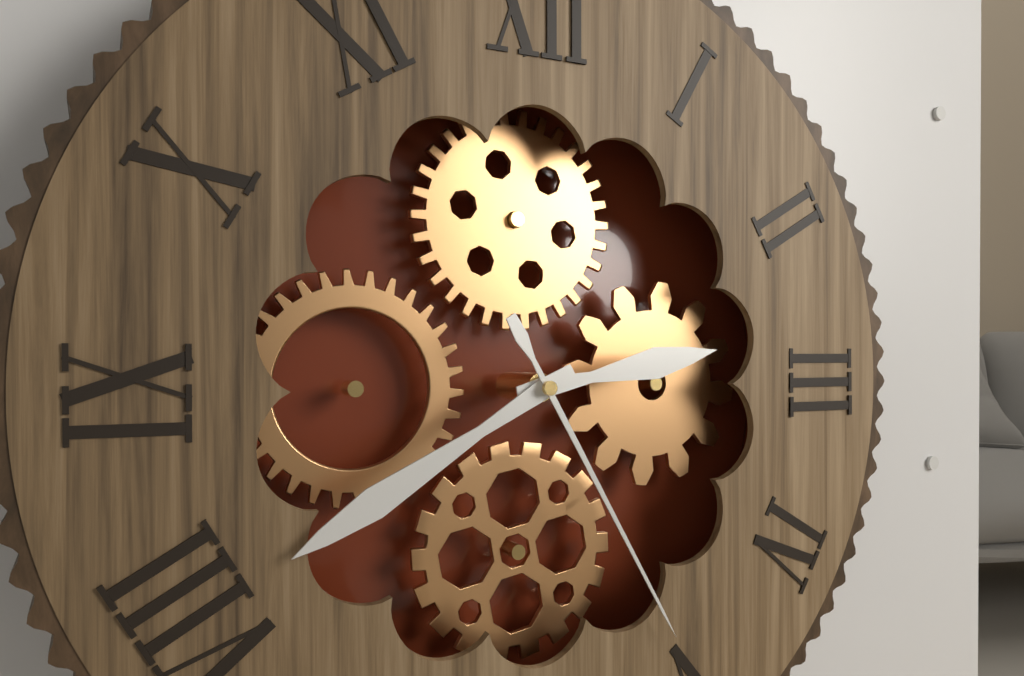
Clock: 2:40:25
